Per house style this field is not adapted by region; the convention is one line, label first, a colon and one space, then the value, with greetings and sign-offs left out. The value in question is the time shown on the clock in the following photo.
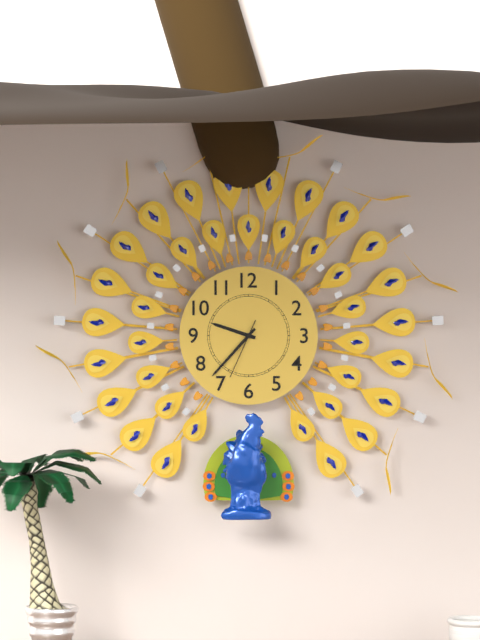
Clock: 9:37:34
